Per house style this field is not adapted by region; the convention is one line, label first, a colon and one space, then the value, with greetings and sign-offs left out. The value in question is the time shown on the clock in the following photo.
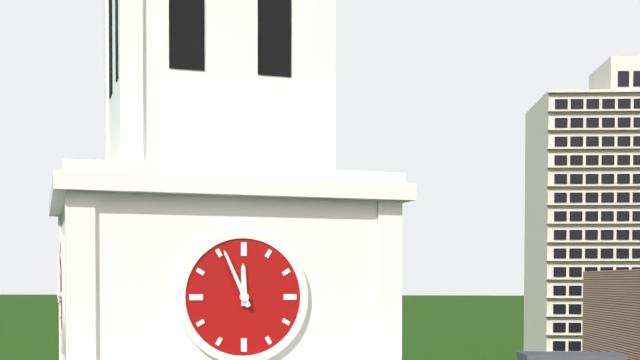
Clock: 11:56
